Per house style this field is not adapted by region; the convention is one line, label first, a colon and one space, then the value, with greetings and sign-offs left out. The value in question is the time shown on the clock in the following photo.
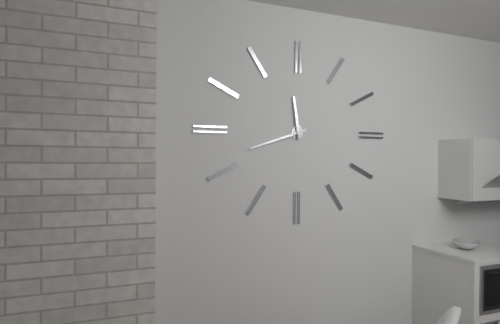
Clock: 11:42
